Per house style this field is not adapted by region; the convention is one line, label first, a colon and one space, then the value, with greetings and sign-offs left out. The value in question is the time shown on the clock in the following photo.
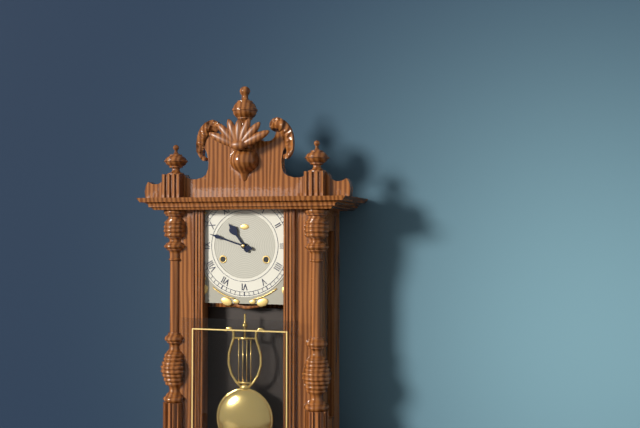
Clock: 10:48
